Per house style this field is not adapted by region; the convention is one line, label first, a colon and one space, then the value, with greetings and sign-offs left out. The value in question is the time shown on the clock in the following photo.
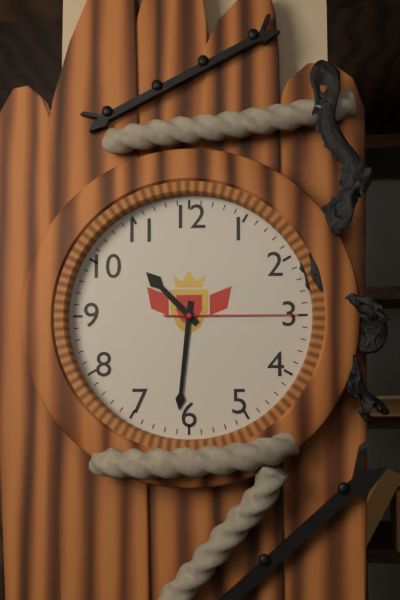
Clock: 10:31:15
